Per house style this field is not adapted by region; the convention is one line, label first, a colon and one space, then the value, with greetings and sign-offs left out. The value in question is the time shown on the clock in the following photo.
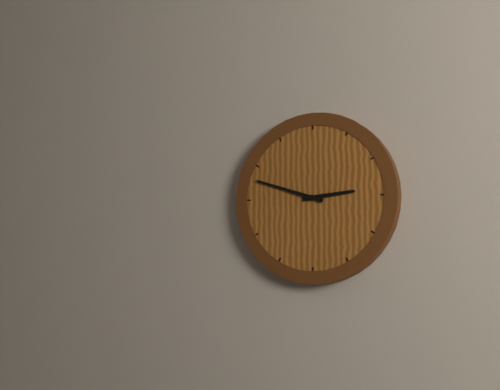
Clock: 2:48
